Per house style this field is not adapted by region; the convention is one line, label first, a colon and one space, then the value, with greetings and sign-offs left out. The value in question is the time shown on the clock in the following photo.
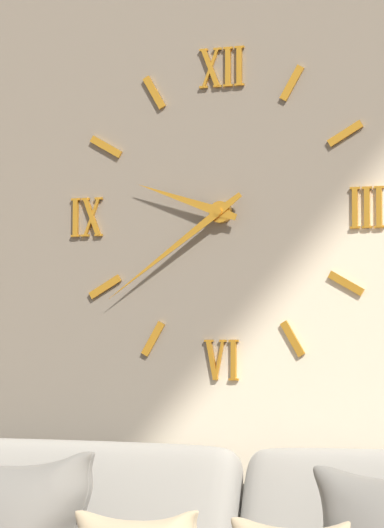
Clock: 9:39
